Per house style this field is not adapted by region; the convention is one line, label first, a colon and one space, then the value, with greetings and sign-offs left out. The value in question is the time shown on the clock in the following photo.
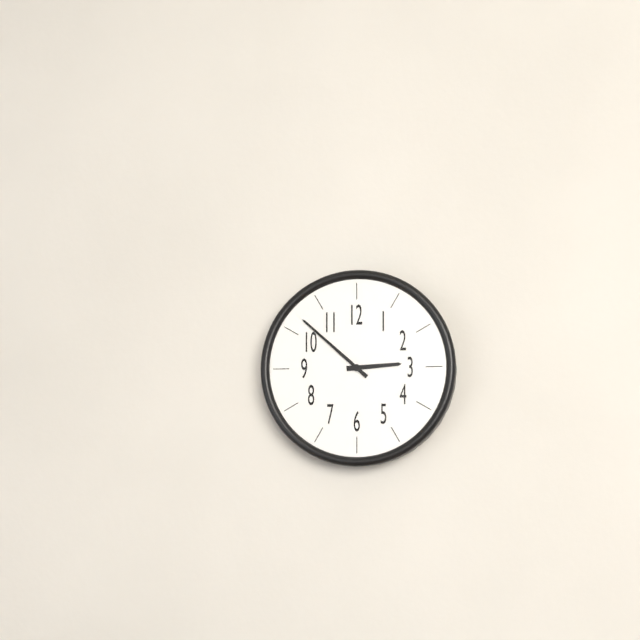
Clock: 2:52
